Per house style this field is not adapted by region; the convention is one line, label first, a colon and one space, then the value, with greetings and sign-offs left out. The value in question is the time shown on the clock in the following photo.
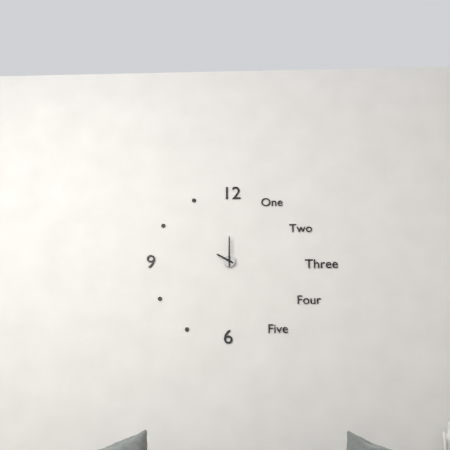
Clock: 10:00
